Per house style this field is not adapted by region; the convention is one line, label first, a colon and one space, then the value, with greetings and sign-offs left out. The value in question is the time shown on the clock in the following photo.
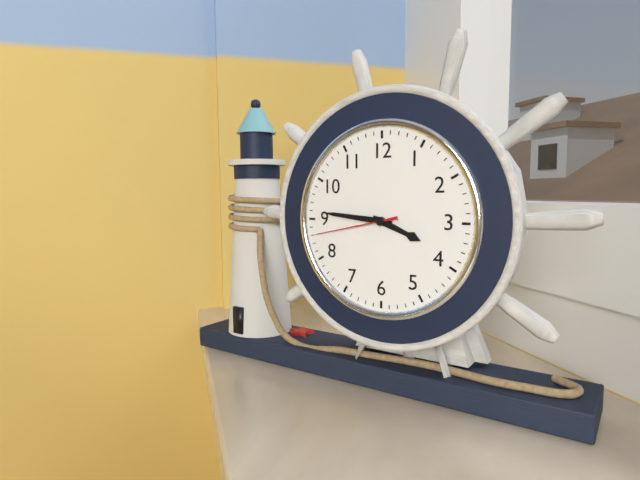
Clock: 3:46:43
